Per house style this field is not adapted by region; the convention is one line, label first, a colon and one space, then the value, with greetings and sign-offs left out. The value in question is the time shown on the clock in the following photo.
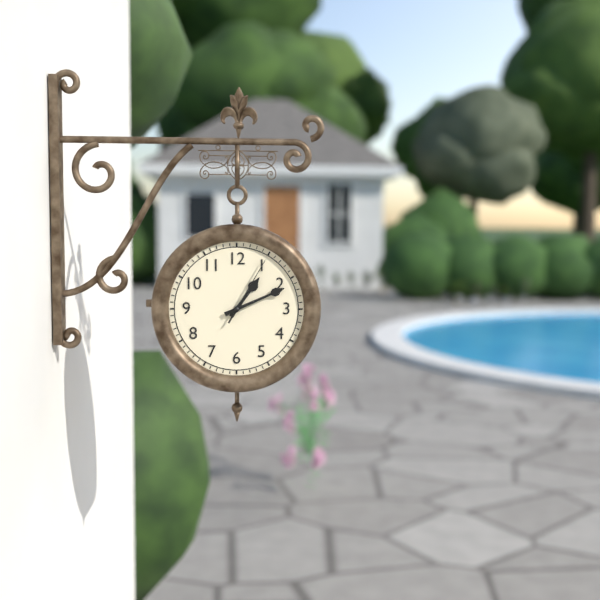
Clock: 1:11:05
